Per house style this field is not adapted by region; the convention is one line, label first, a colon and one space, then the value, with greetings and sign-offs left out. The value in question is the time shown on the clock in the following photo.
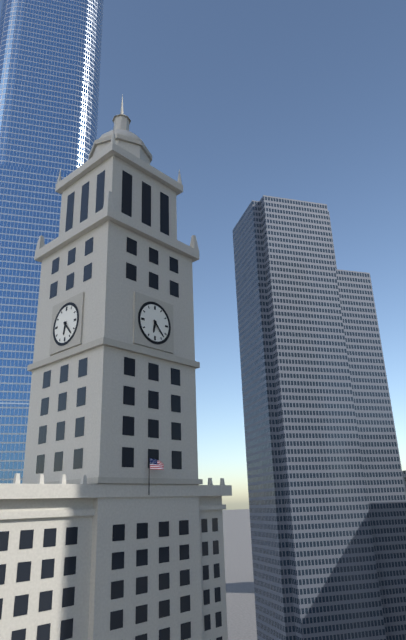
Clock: 6:23
